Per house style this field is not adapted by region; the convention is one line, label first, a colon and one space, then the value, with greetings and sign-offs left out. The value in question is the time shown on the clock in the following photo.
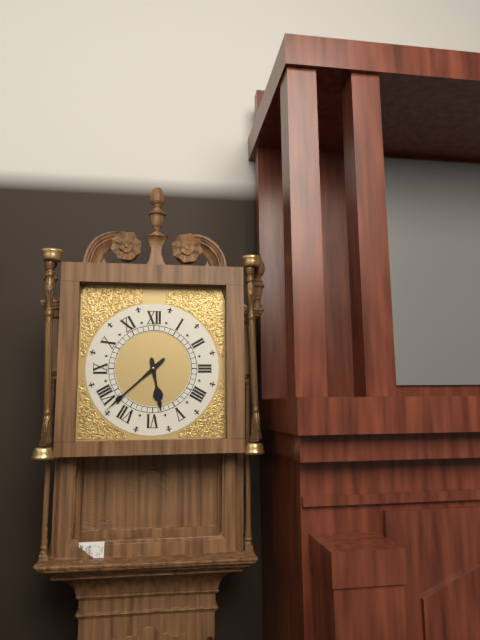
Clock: 5:38
